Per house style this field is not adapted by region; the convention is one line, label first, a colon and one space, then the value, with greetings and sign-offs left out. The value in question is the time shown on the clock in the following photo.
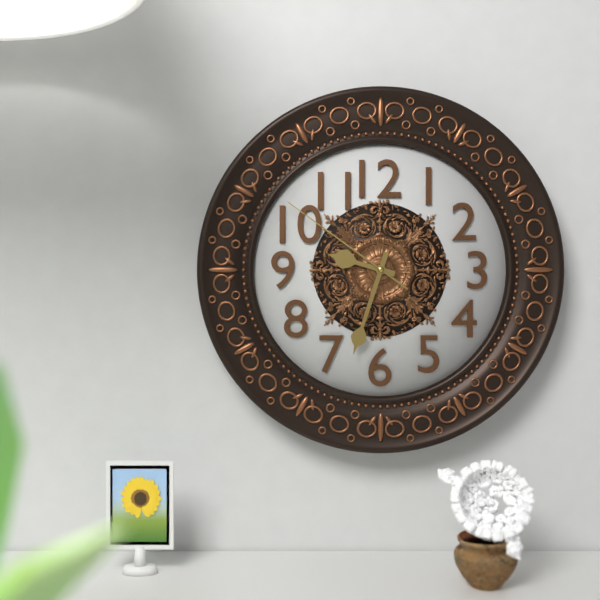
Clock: 9:33:51
